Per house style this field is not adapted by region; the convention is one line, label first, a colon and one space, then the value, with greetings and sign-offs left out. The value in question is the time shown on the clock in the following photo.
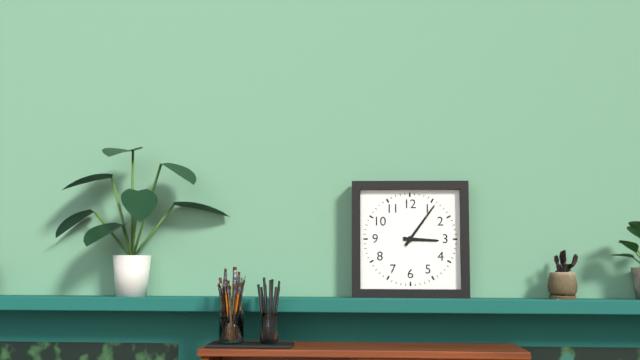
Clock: 3:06
